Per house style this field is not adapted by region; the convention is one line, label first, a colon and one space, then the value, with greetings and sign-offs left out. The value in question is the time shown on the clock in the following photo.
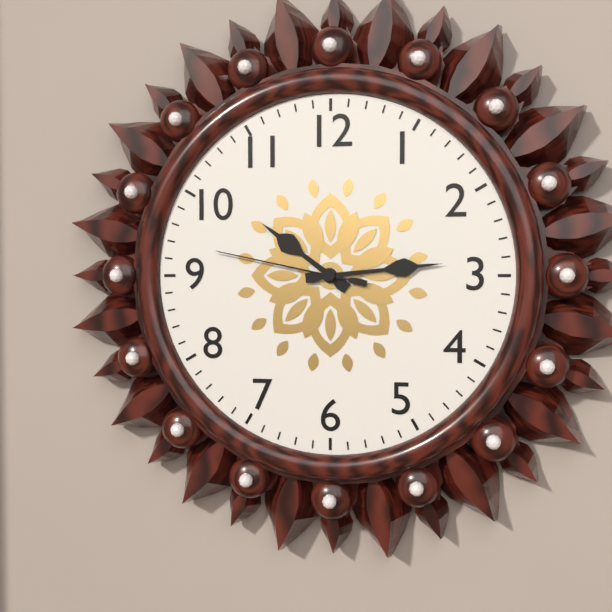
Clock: 10:14:47
